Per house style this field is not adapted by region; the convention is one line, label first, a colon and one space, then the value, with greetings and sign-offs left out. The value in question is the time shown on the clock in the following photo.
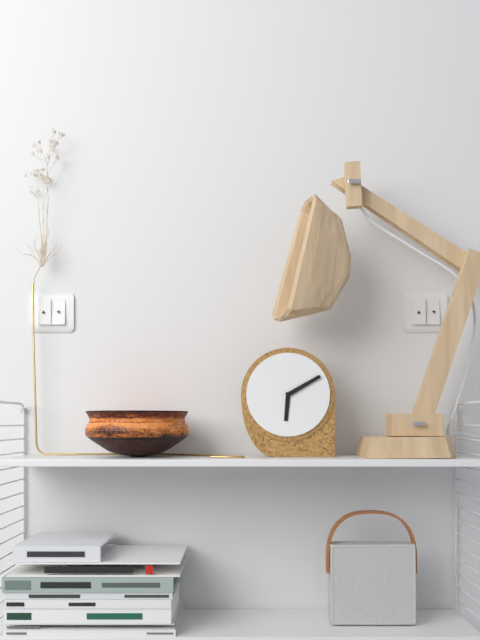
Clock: 6:10
